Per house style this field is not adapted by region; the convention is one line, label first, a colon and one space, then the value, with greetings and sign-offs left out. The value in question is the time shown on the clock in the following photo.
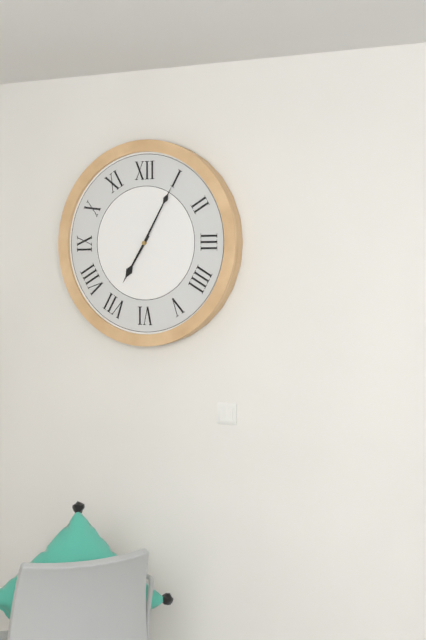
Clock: 7:05
